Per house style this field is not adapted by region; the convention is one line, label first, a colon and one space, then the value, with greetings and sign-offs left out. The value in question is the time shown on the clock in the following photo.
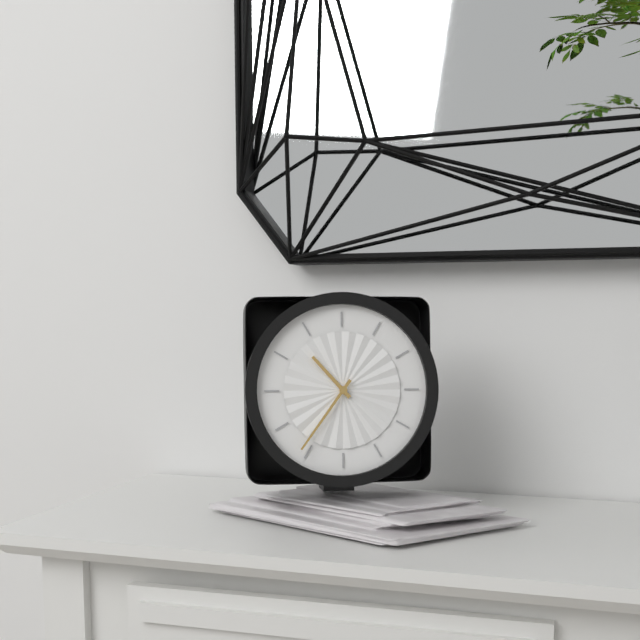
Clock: 10:36
